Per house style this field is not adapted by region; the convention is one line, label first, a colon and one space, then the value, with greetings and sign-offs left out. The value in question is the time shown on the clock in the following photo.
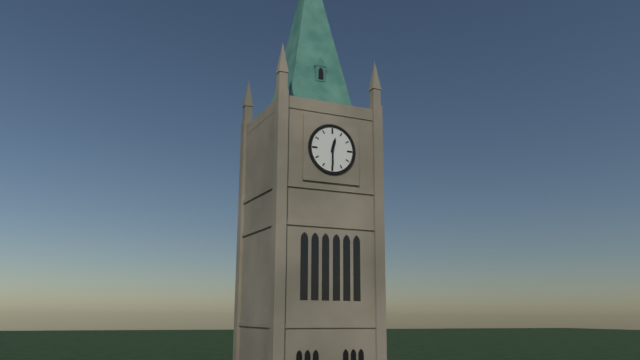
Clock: 12:30
